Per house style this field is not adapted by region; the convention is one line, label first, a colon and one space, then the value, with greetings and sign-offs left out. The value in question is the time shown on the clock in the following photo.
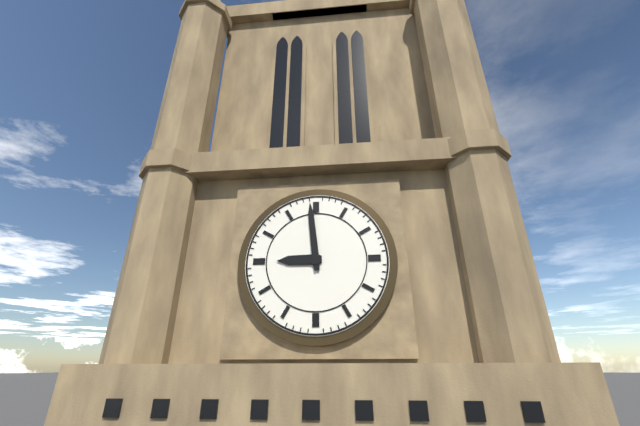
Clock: 8:59
